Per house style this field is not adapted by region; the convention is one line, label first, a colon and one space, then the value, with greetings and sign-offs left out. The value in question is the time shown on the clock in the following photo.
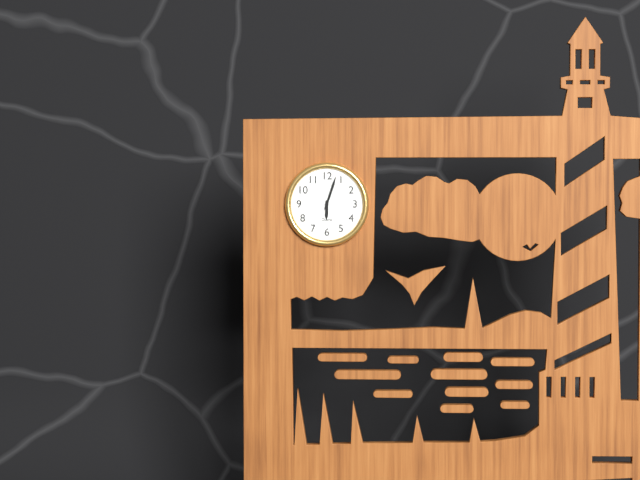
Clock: 6:03
